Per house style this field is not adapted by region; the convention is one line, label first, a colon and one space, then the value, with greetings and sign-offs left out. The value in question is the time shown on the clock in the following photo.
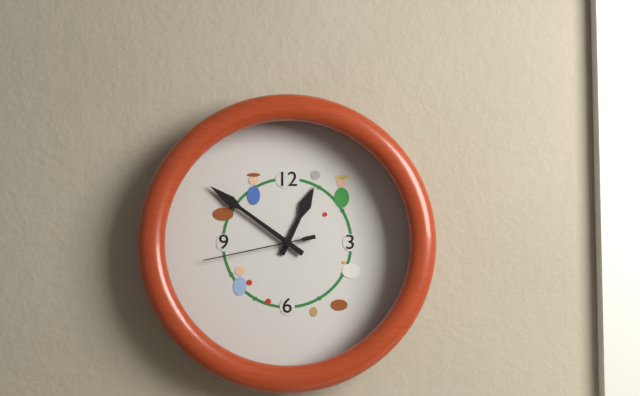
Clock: 12:51:43
